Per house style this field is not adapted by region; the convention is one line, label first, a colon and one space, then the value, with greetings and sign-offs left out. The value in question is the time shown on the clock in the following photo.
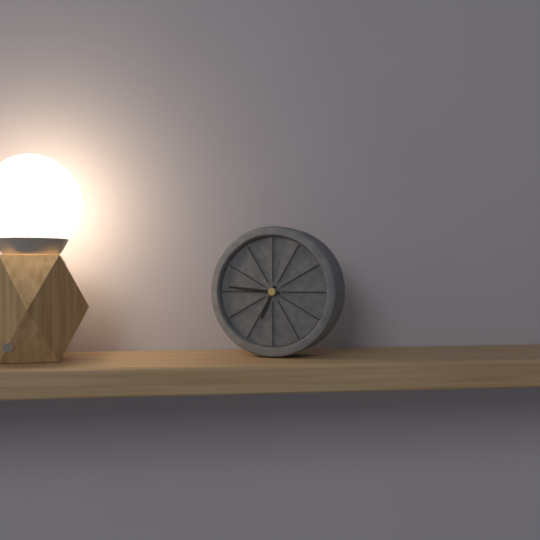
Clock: 6:46
